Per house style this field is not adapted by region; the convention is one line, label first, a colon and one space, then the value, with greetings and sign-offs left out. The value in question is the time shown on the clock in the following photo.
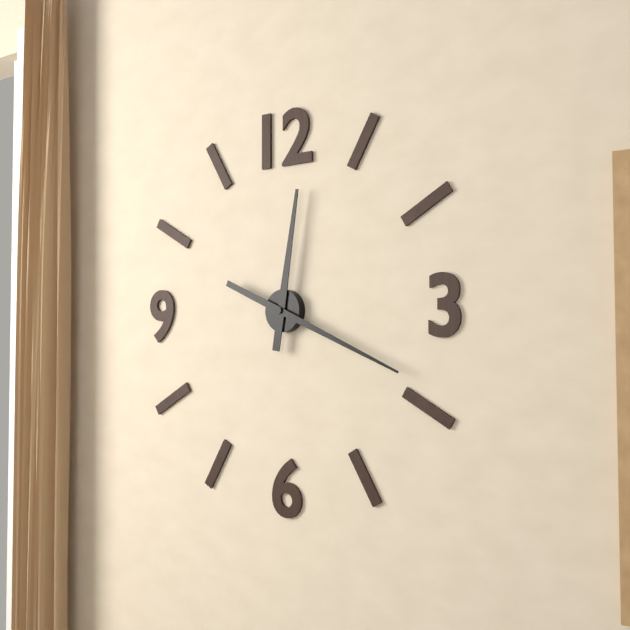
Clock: 12:19
